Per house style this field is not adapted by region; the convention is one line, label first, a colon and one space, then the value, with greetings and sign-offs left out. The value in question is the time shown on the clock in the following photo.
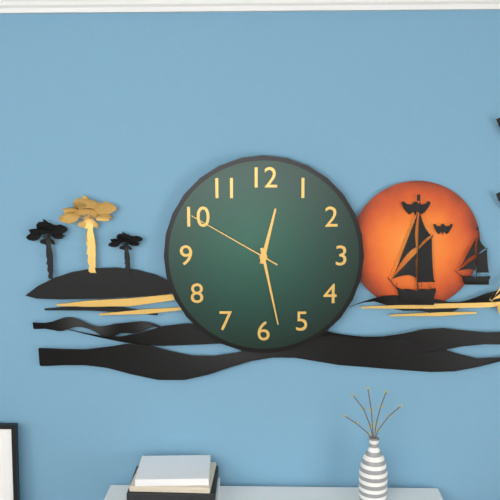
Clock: 12:28:50
